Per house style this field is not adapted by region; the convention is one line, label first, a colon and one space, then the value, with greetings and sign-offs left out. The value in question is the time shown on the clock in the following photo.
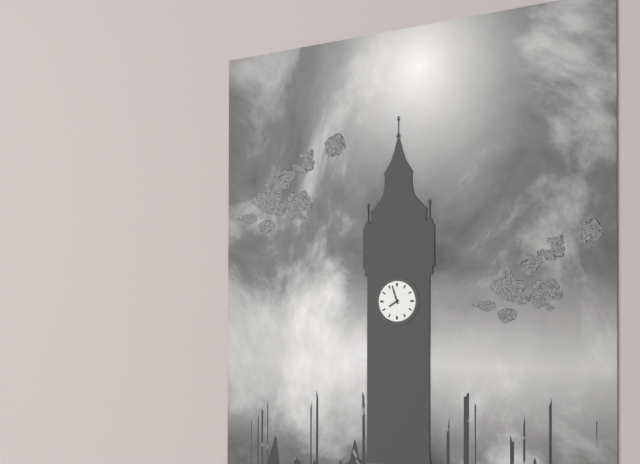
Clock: 7:57
